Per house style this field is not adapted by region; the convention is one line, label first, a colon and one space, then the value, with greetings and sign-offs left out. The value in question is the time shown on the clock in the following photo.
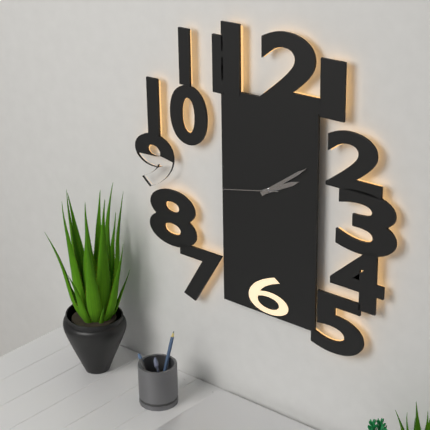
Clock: 2:09:43
